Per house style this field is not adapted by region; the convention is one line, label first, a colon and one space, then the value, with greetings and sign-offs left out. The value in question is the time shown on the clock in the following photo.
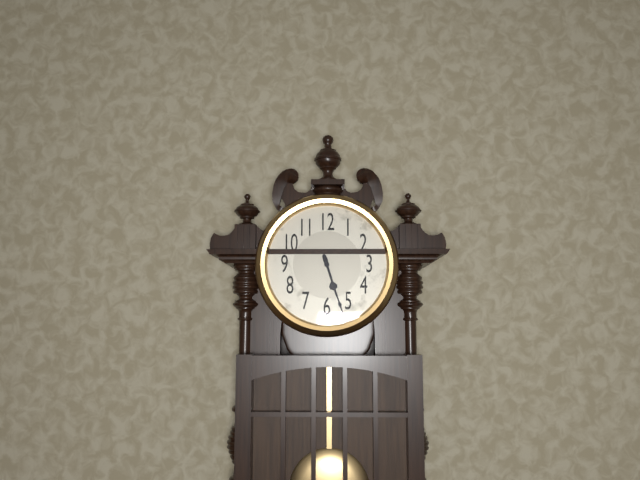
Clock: 5:27
